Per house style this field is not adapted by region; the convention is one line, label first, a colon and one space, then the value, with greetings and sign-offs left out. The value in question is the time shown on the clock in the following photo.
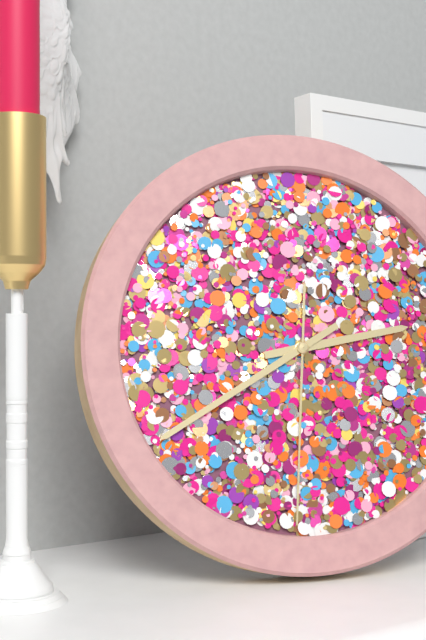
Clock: 2:40:31
